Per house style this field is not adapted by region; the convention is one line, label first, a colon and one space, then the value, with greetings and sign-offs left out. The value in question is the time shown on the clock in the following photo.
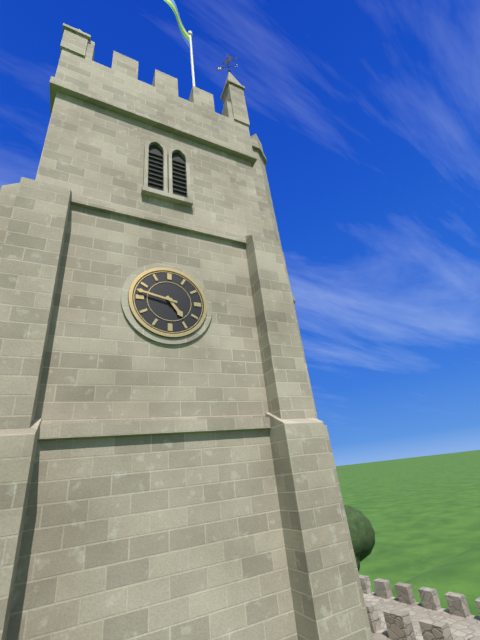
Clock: 4:47
